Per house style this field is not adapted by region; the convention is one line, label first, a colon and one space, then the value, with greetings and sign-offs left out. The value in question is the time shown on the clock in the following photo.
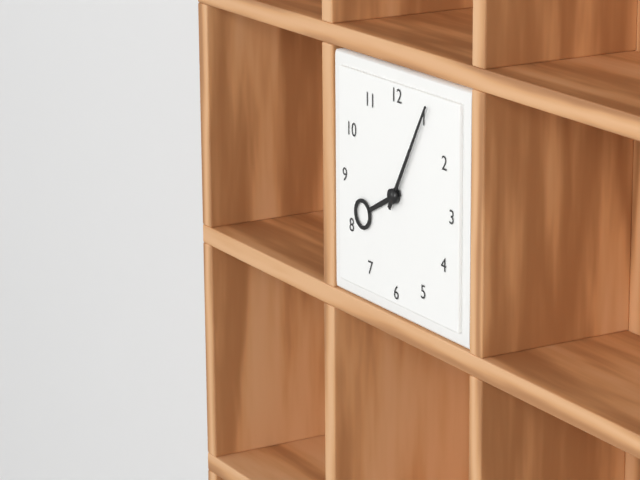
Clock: 8:05
